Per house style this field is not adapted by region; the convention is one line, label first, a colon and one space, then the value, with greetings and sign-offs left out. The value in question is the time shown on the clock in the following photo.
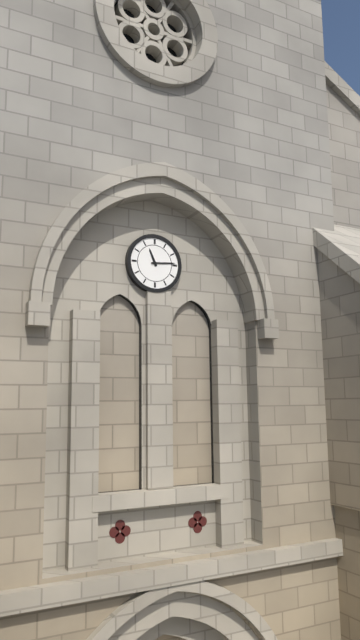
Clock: 11:14
